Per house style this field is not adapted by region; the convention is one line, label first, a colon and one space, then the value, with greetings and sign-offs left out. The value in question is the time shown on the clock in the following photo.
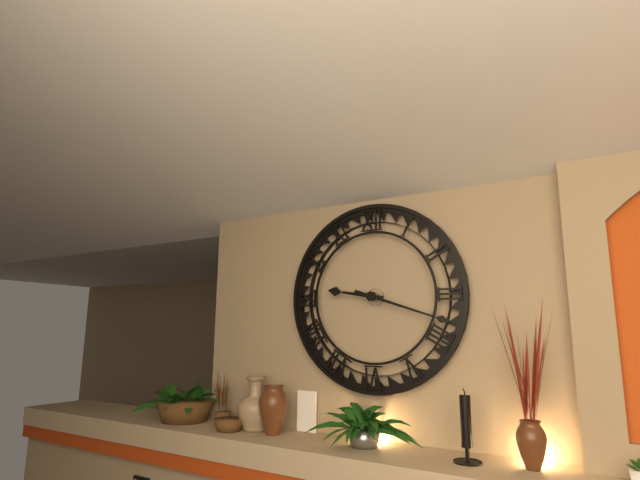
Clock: 9:18
